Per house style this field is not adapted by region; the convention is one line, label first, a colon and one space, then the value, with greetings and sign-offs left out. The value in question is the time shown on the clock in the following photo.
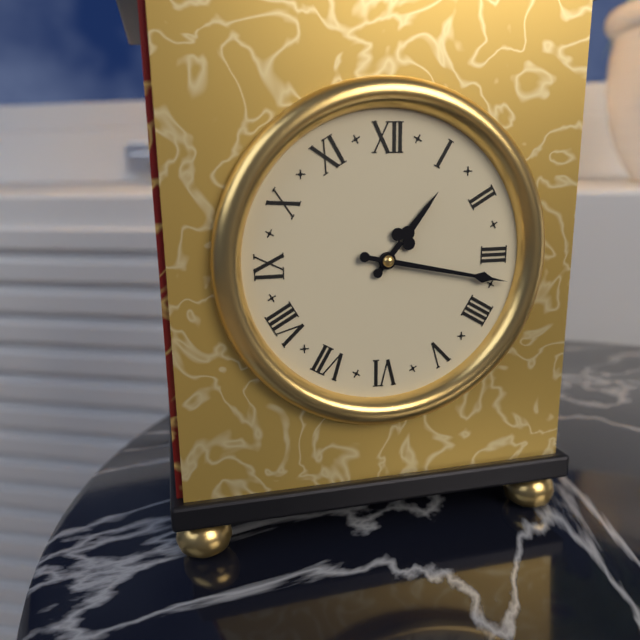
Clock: 1:17
